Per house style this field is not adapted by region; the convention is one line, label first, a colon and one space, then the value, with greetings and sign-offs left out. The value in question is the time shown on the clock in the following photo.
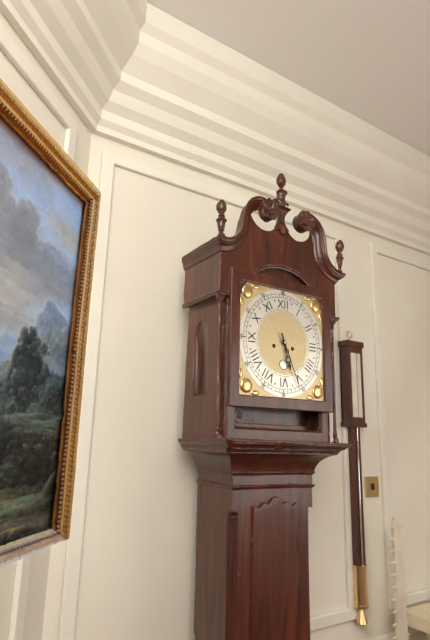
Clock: 5:26
